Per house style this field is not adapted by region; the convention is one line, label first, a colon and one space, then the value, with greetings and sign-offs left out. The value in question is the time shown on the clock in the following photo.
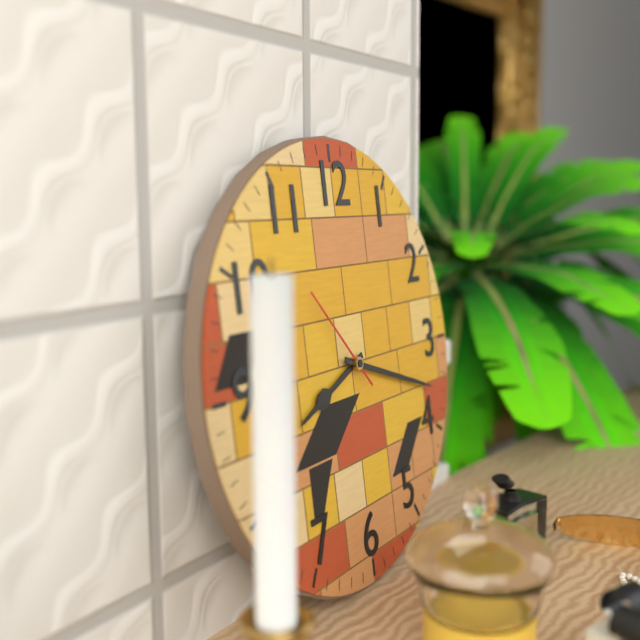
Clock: 8:18:53
